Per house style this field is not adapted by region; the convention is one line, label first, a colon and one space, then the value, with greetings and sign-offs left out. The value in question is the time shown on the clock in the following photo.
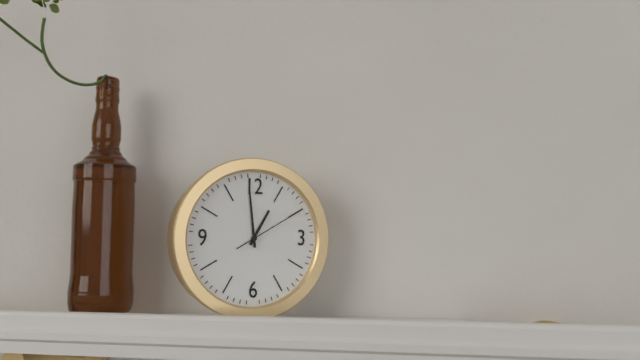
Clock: 12:59:10
